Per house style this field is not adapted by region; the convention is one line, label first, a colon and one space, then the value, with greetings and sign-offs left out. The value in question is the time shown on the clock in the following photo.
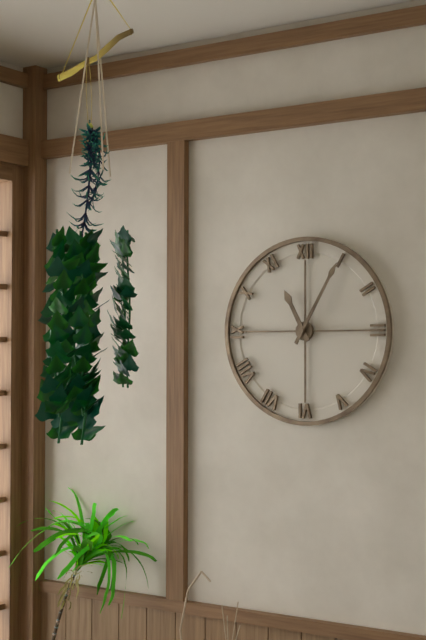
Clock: 11:05
